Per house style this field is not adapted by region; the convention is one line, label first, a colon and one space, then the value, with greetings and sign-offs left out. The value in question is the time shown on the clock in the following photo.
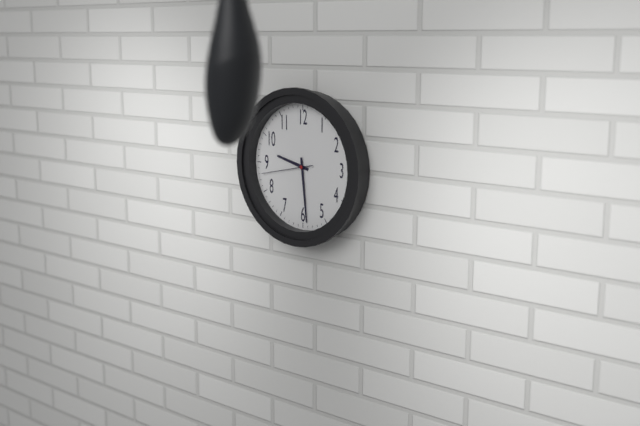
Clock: 9:29:43
